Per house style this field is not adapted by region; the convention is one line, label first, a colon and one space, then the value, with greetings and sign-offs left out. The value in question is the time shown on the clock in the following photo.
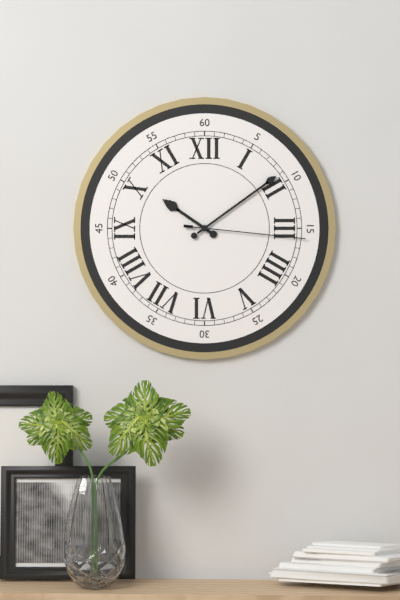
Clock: 10:09:16
